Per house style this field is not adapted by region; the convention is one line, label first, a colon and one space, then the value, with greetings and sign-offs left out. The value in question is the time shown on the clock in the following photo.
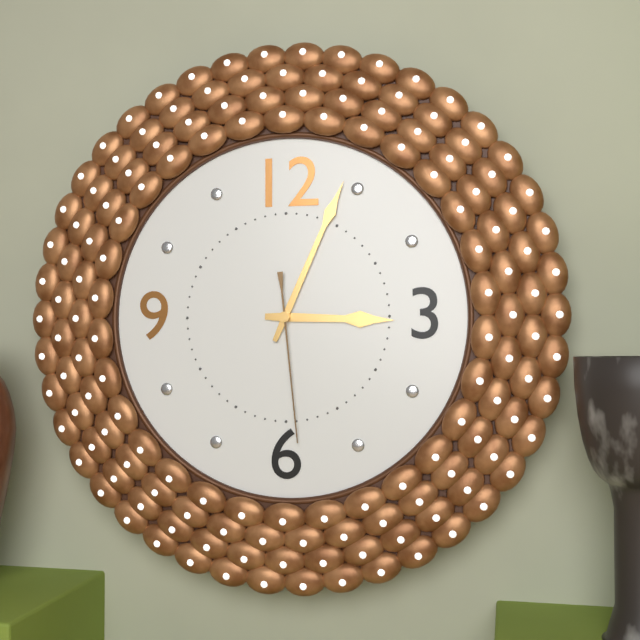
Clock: 3:04:29
